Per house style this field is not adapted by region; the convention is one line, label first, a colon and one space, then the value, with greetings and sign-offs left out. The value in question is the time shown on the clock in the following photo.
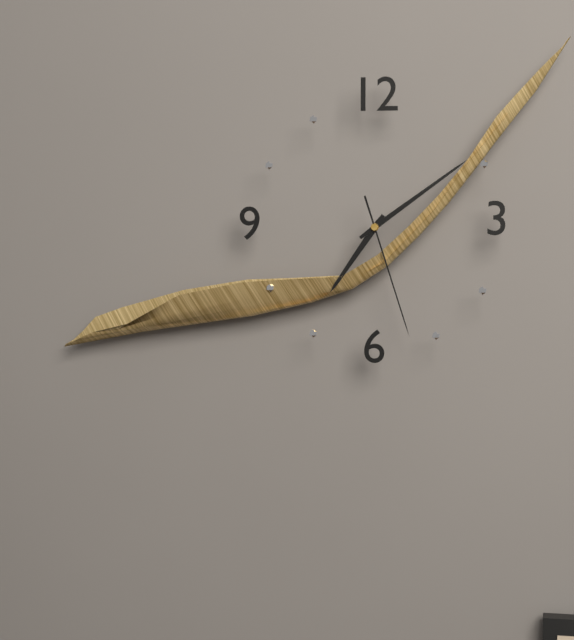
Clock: 7:09:27
